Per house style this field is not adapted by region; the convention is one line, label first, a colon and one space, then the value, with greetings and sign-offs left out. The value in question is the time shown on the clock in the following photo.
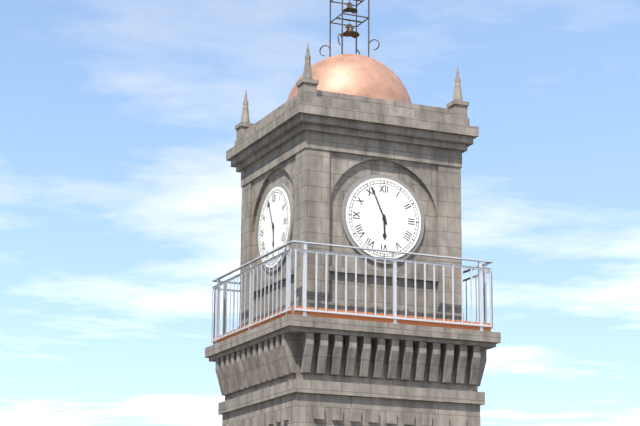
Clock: 5:56
